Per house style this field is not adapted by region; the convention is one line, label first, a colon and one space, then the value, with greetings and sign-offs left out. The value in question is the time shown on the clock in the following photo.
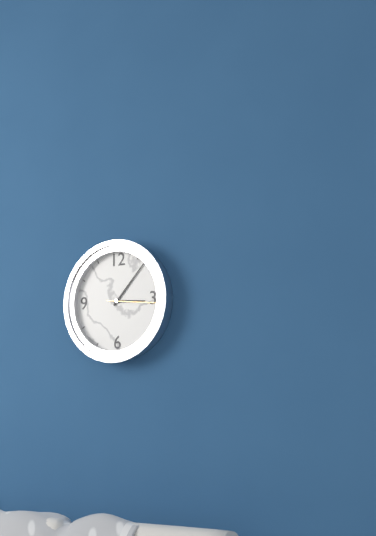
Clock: 3:07:16
